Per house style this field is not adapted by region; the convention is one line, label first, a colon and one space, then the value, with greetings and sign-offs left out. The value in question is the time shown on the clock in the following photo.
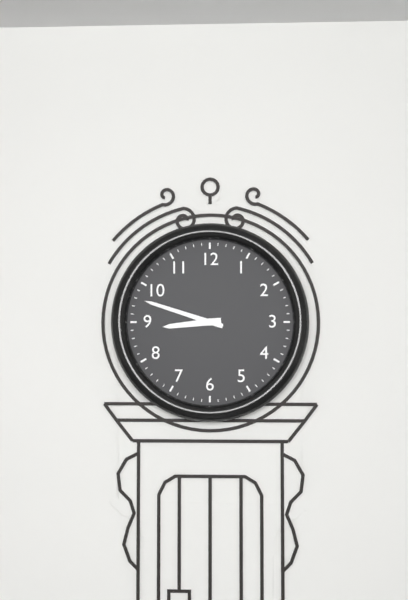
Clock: 8:48
